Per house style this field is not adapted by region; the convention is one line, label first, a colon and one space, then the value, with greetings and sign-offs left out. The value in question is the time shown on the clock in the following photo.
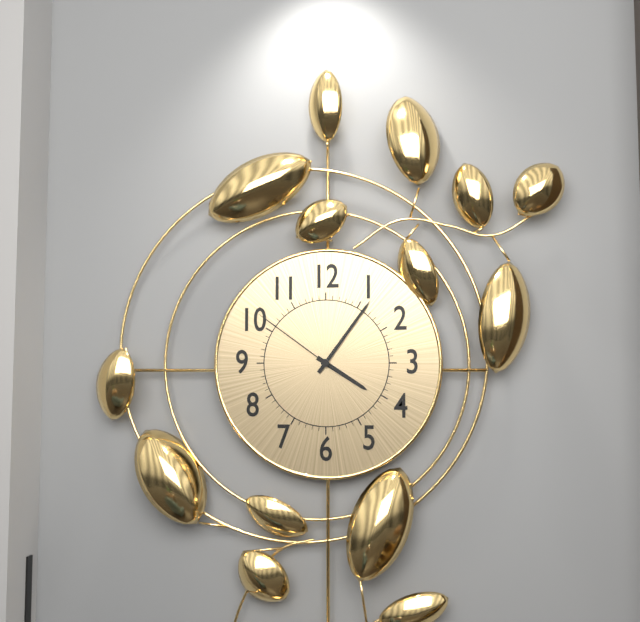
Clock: 4:06:51
